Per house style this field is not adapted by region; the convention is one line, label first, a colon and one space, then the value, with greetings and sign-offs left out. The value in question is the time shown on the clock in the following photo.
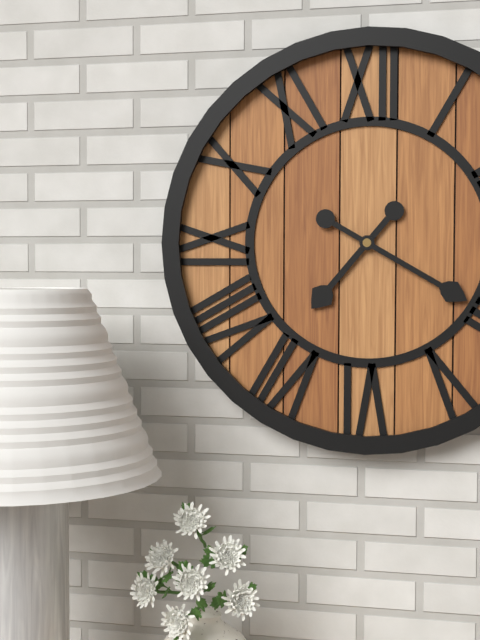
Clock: 7:20
